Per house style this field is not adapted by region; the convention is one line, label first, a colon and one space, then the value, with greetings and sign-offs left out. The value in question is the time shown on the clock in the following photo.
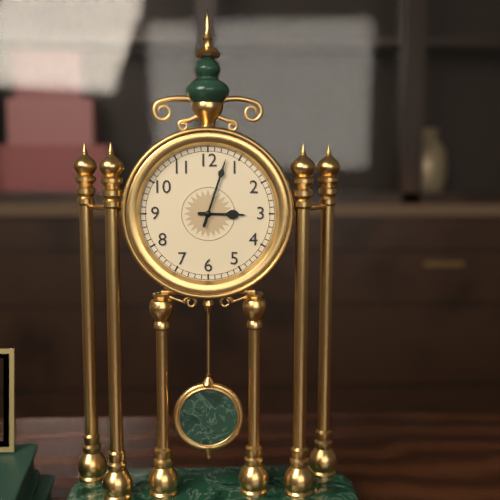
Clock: 3:03
